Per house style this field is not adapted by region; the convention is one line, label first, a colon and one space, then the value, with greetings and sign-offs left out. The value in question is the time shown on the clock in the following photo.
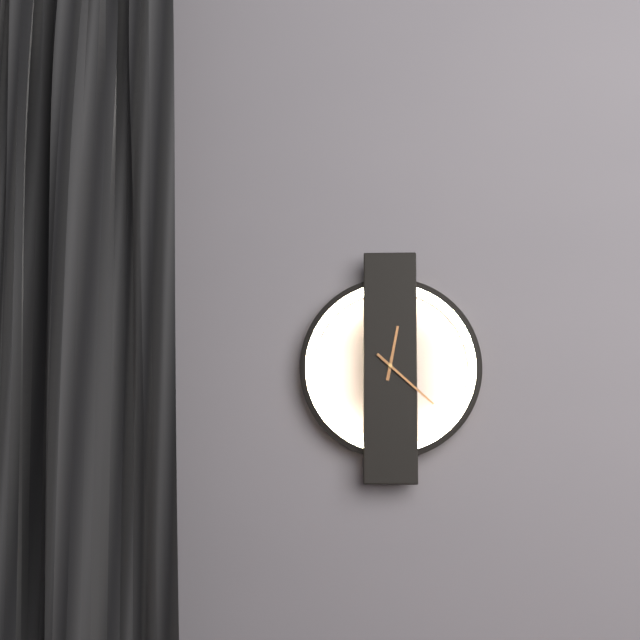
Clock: 12:22
